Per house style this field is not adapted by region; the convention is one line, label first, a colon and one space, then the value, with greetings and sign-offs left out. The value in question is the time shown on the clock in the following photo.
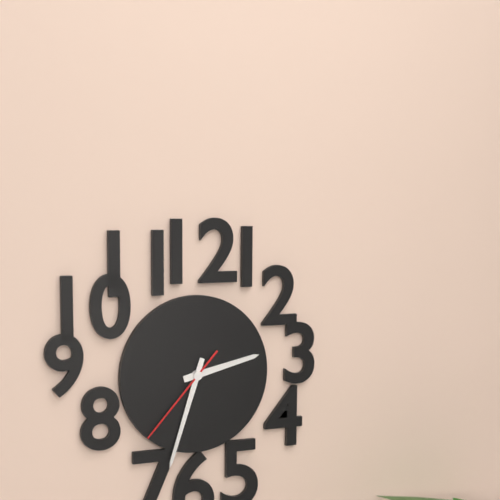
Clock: 2:33:37
